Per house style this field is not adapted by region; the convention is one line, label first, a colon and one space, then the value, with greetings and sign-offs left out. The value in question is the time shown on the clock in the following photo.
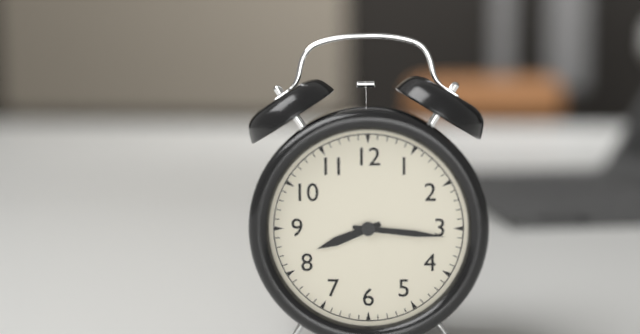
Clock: 8:16
